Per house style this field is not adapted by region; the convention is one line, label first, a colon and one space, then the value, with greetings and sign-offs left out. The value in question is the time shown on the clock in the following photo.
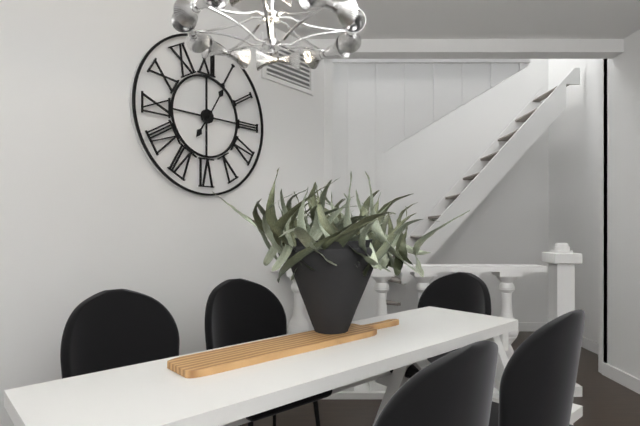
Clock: 7:05
